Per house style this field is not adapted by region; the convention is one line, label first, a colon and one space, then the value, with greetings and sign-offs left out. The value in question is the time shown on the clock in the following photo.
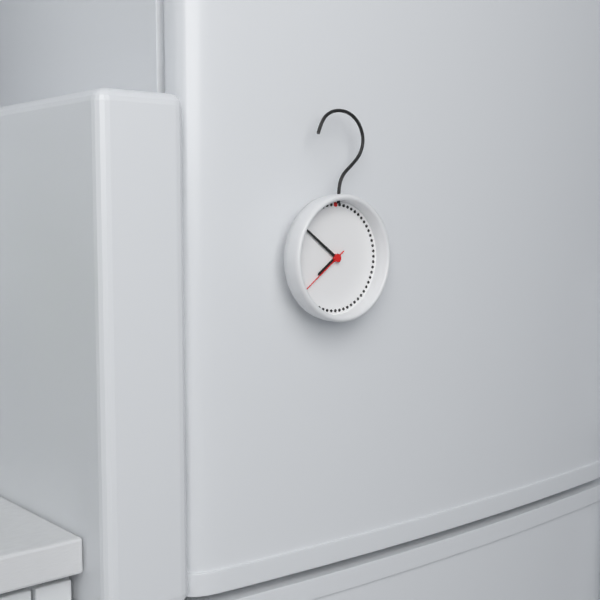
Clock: 7:51:39
